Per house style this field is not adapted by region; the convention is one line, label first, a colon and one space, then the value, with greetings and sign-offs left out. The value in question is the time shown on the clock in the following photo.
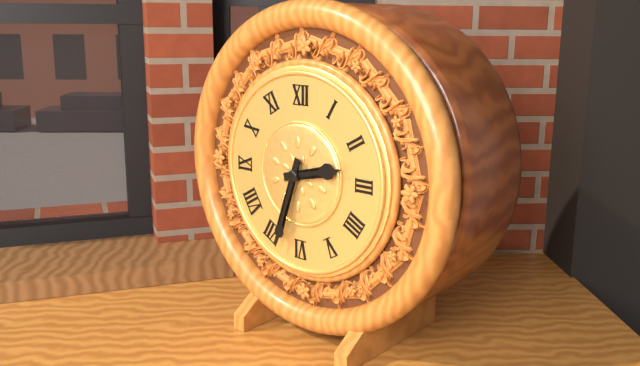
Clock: 2:33
